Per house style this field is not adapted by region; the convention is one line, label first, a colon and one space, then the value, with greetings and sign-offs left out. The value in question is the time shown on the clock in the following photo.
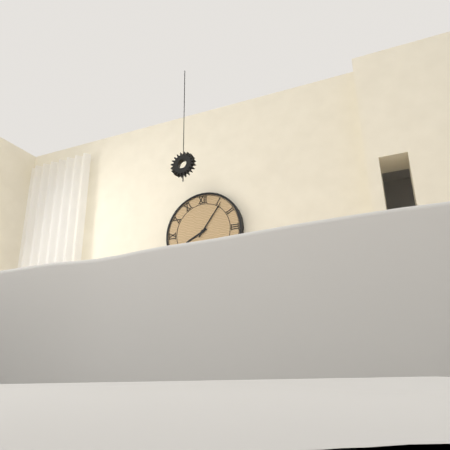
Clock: 8:06
